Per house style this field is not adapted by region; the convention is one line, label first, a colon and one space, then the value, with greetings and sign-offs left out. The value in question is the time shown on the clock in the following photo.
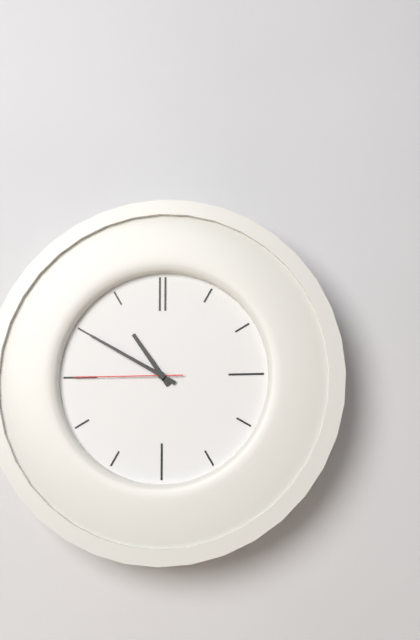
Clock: 10:50:45
